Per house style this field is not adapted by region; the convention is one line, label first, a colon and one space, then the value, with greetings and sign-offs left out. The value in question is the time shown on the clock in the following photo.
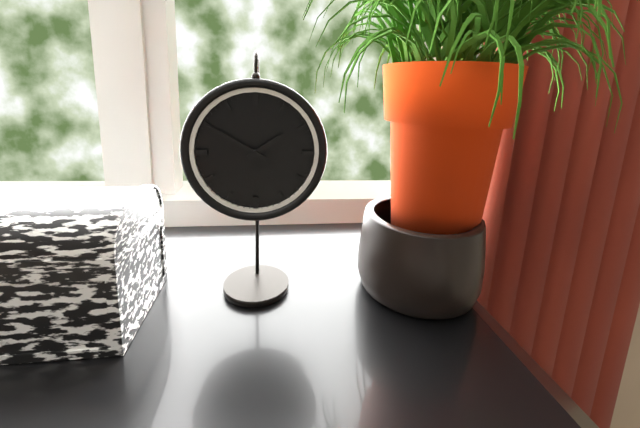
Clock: 1:50
